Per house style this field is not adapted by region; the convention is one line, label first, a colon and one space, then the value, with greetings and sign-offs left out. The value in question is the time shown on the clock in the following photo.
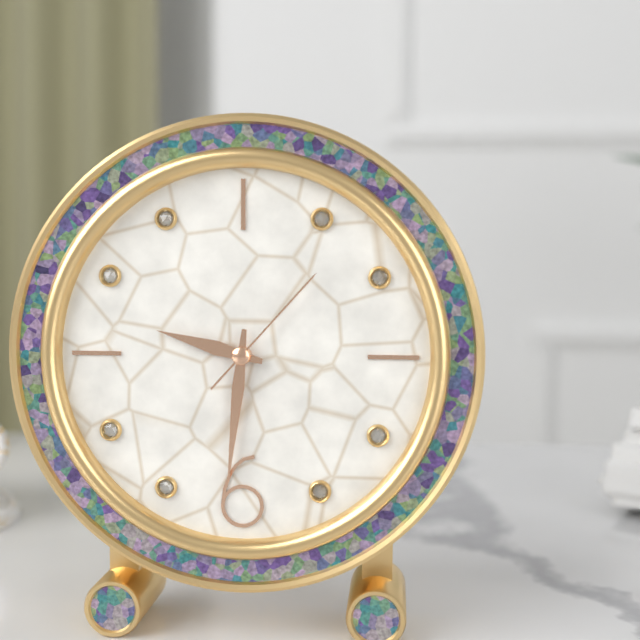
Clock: 9:31:07
